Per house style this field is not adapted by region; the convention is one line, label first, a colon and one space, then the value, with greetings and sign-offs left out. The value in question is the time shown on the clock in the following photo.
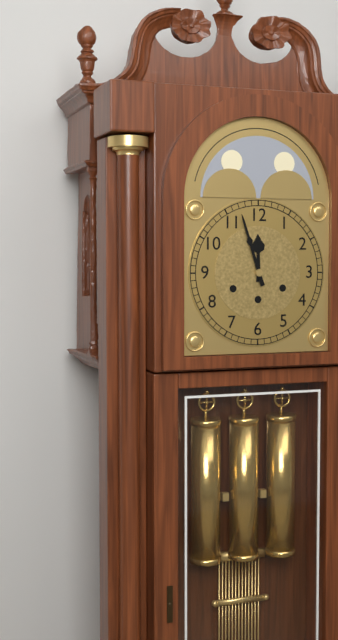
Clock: 11:57
